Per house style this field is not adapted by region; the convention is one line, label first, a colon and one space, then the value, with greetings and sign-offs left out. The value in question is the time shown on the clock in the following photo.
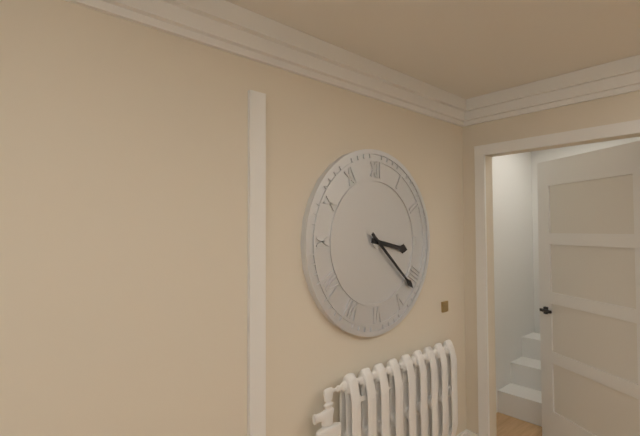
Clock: 3:22
